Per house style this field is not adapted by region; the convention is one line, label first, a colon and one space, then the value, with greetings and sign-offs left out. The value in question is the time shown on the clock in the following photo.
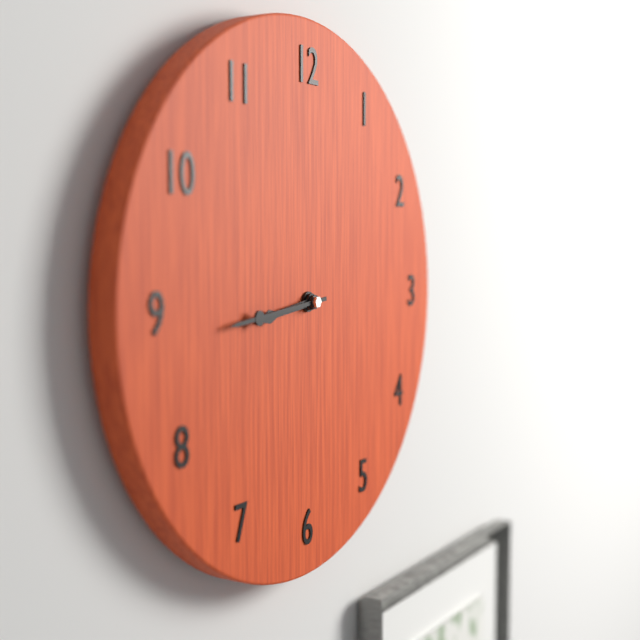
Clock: 8:44
